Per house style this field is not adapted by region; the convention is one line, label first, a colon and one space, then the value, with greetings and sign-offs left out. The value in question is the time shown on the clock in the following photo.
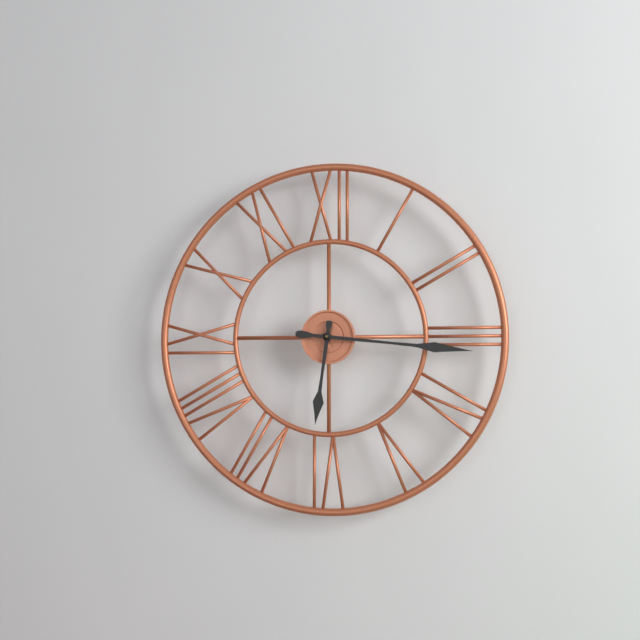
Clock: 6:16
